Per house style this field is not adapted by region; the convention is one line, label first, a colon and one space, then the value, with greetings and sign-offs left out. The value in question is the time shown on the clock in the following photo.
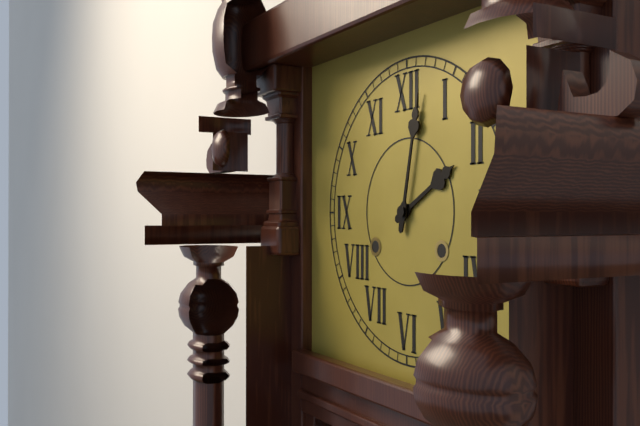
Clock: 2:02
